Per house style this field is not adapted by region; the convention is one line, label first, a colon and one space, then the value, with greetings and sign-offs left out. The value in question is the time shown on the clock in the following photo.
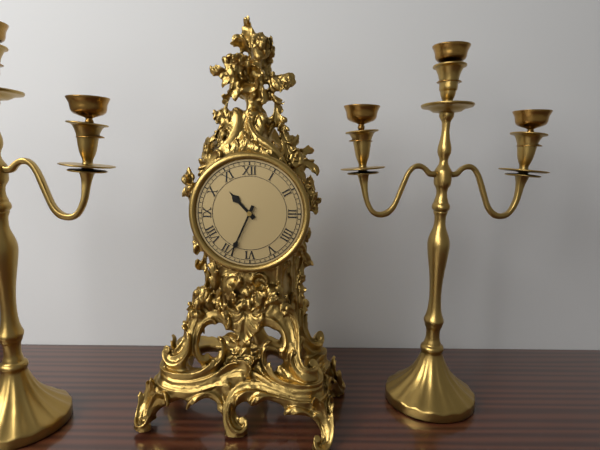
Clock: 10:34
